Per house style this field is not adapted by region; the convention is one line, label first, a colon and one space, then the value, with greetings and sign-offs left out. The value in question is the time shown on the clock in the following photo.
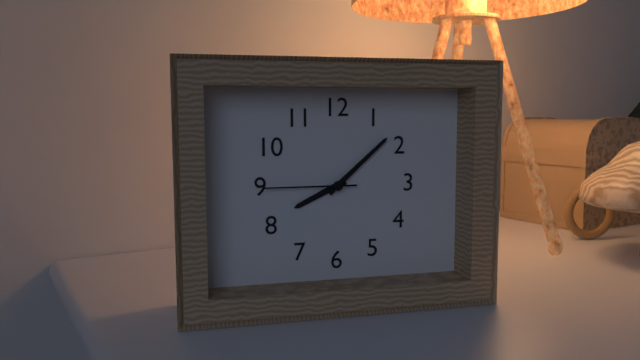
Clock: 8:08:45
